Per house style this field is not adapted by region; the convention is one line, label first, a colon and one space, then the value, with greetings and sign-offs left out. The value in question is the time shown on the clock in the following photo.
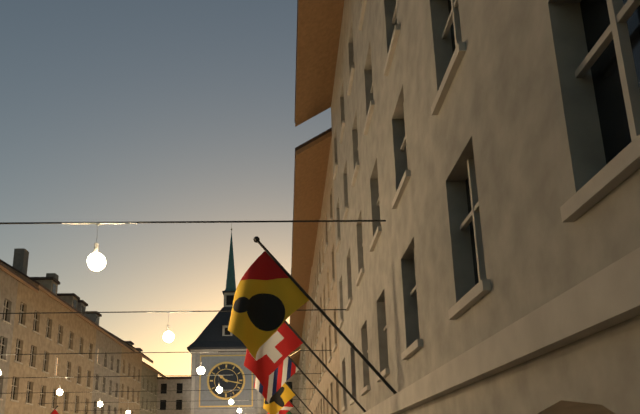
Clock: 10:17
